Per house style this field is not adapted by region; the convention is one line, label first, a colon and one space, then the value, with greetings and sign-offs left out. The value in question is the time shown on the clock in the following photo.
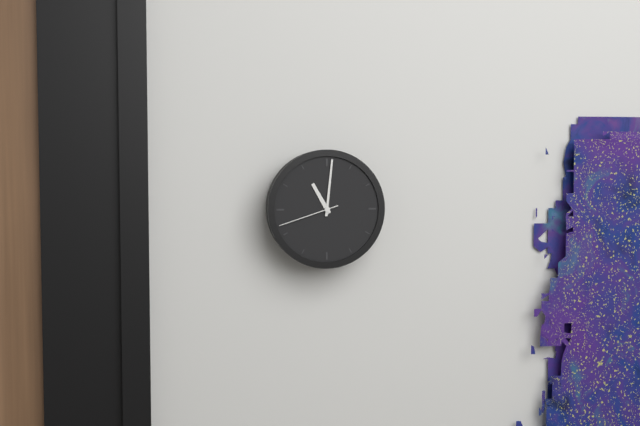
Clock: 11:01:42
